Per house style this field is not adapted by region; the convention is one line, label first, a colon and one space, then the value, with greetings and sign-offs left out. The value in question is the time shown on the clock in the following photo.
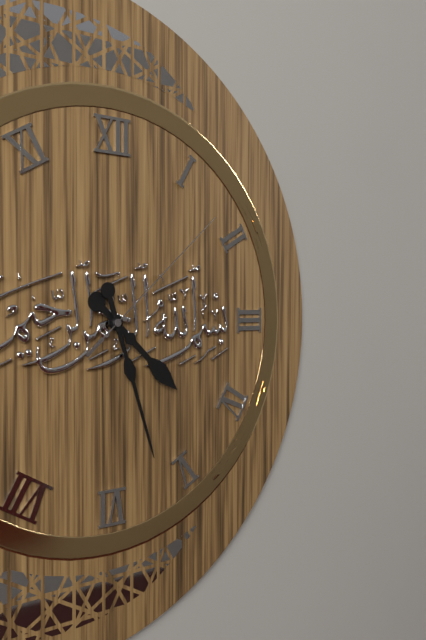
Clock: 4:27:08
